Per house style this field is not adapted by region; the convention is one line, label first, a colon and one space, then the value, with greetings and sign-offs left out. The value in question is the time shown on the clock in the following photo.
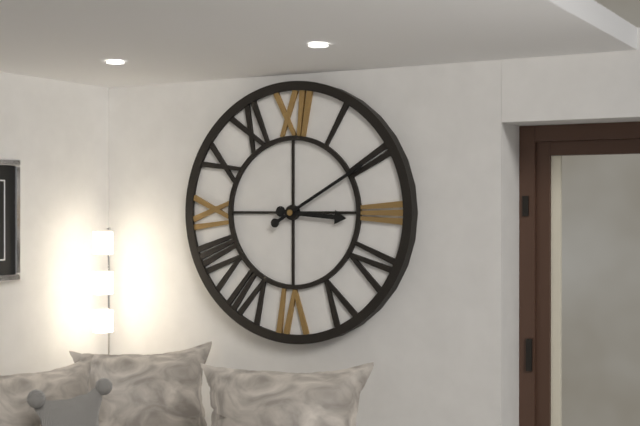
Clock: 3:10
